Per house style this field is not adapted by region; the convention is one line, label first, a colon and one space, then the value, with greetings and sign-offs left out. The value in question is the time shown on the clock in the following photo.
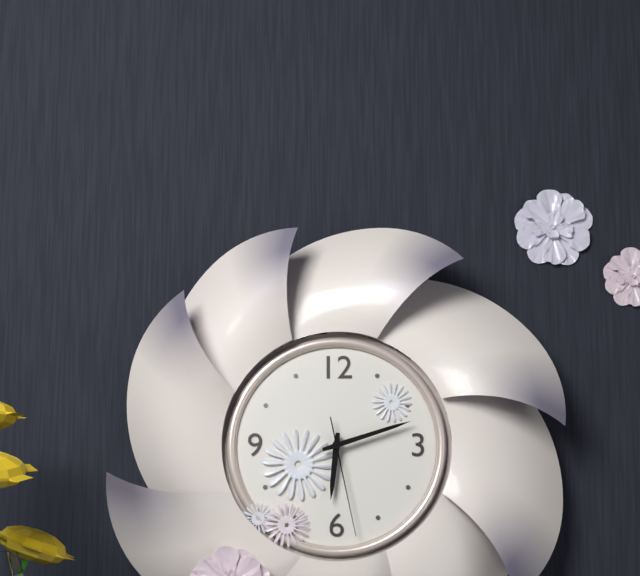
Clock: 6:12:28
